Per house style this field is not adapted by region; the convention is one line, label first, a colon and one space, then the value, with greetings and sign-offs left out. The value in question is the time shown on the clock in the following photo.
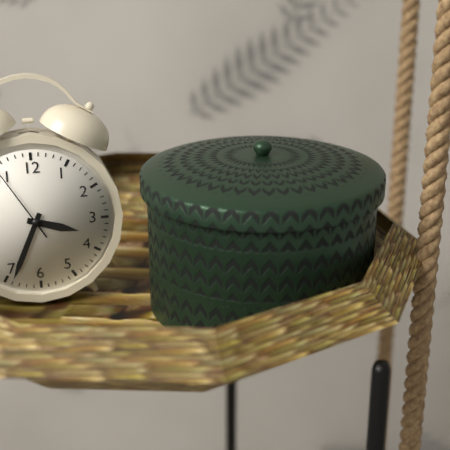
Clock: 3:34
